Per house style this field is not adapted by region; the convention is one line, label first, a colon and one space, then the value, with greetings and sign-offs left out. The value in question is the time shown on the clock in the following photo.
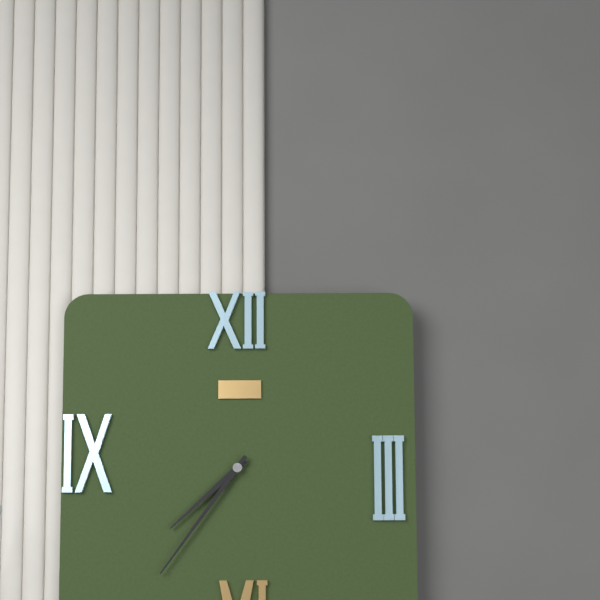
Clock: 7:36
